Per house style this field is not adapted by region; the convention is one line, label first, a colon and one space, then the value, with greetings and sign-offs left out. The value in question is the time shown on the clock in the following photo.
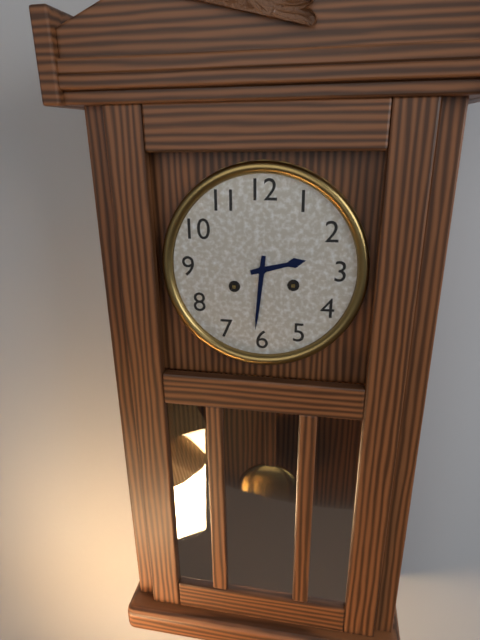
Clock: 2:31
